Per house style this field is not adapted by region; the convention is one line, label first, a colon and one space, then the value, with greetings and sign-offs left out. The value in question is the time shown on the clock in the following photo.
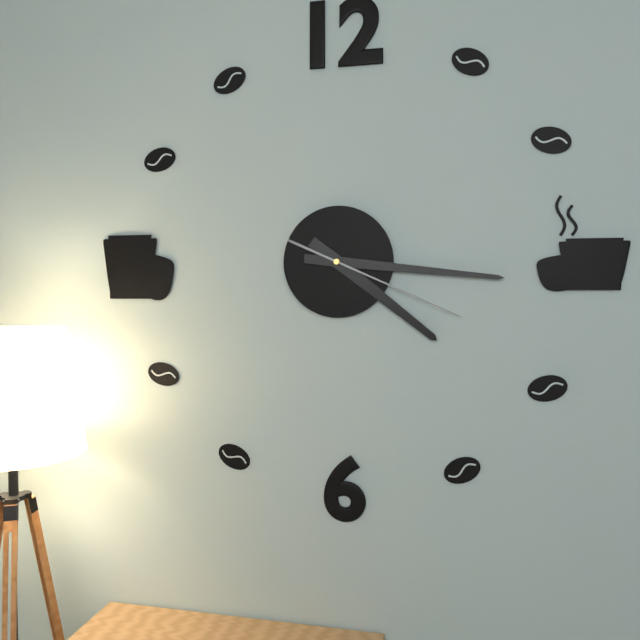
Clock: 4:16:19
